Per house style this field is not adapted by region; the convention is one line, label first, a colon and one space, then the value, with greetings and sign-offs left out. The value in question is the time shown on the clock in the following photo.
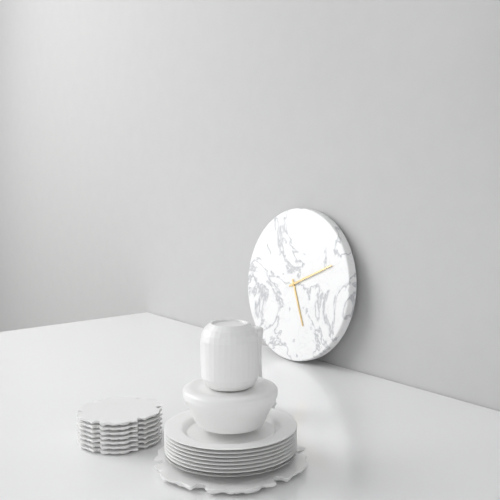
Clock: 5:11
